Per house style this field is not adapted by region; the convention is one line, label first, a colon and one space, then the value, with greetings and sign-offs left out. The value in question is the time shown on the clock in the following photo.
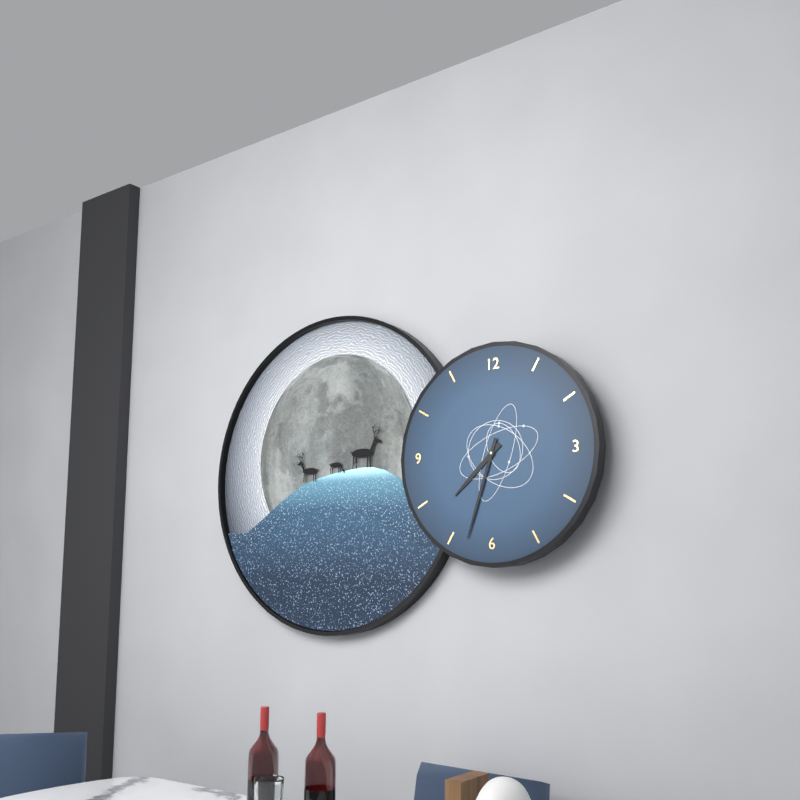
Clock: 7:33
